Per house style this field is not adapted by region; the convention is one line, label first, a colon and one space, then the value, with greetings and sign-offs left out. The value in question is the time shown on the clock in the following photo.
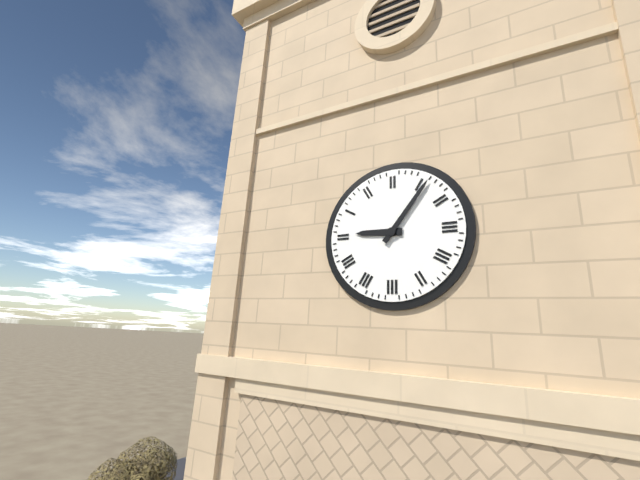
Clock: 9:06
